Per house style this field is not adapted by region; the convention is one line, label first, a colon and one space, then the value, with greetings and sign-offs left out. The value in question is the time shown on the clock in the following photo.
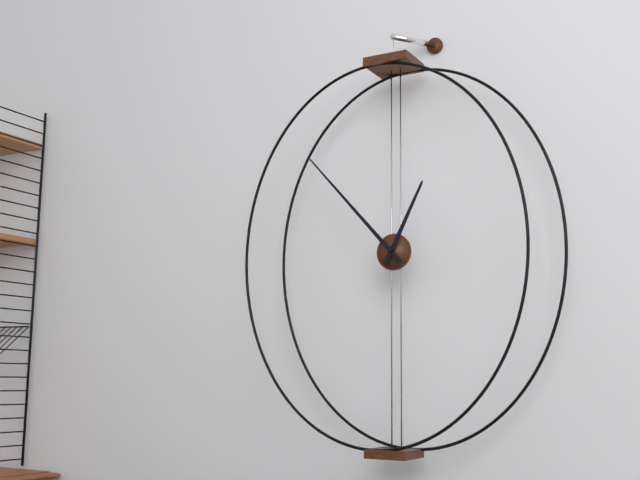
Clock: 12:53
